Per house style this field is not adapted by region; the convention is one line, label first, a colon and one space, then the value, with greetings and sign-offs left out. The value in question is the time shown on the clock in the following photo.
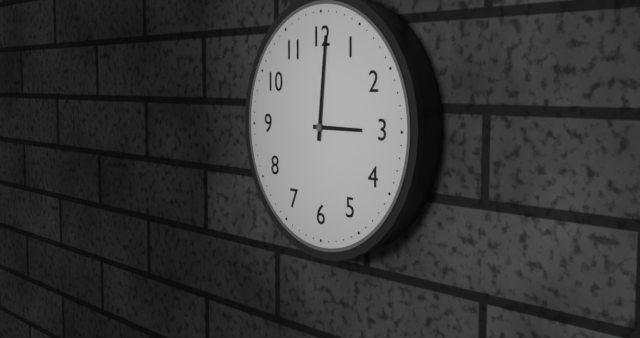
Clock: 3:01
